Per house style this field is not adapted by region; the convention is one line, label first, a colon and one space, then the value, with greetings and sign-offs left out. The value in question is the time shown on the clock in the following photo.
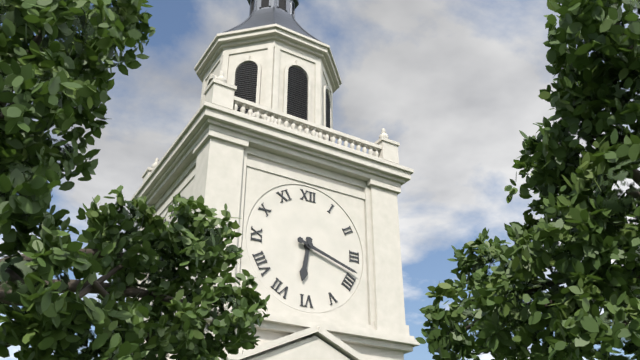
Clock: 6:18
